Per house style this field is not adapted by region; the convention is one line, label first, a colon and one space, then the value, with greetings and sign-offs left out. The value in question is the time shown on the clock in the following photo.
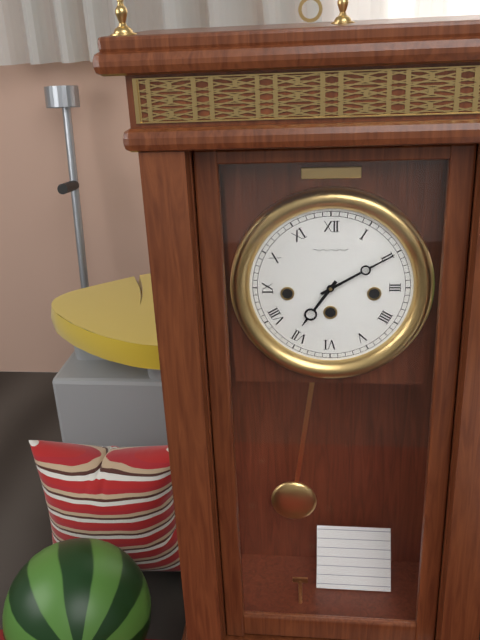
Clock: 7:10
